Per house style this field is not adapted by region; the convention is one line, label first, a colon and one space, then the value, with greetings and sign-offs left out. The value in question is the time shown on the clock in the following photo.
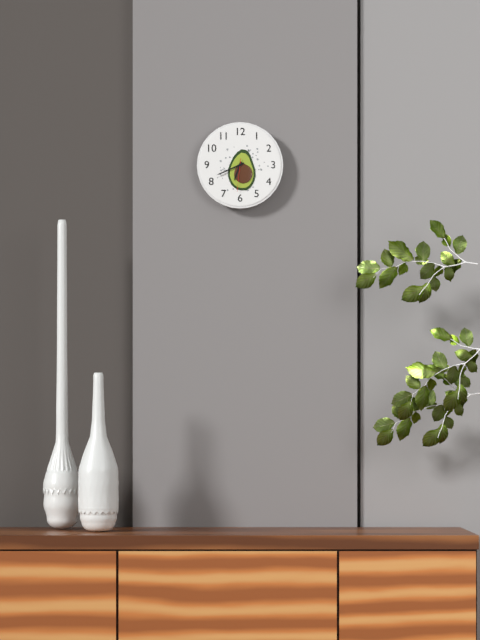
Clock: 6:41
